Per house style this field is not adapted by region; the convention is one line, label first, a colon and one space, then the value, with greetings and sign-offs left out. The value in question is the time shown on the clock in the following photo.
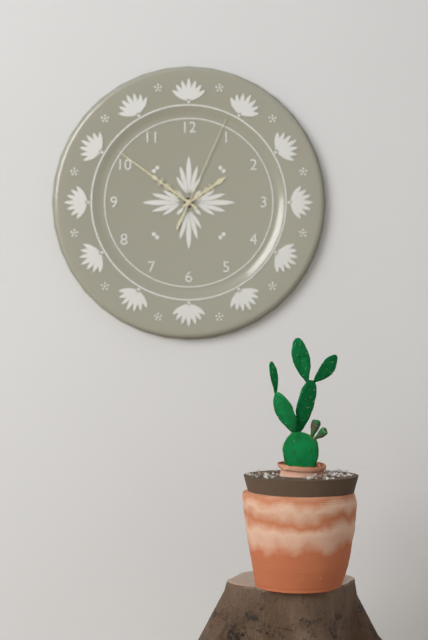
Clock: 1:51:04
